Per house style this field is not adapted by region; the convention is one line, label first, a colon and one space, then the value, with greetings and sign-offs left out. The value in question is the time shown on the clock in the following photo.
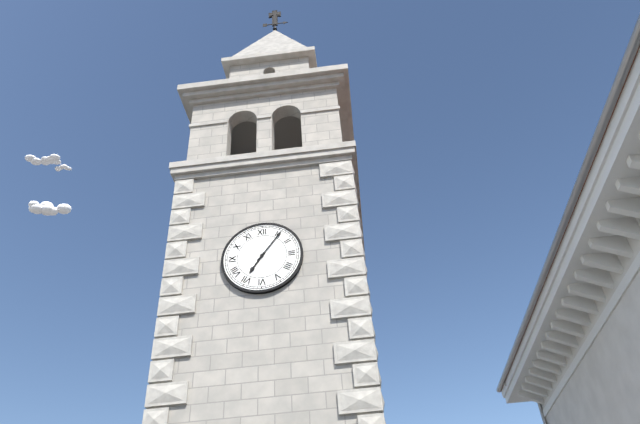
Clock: 7:06
